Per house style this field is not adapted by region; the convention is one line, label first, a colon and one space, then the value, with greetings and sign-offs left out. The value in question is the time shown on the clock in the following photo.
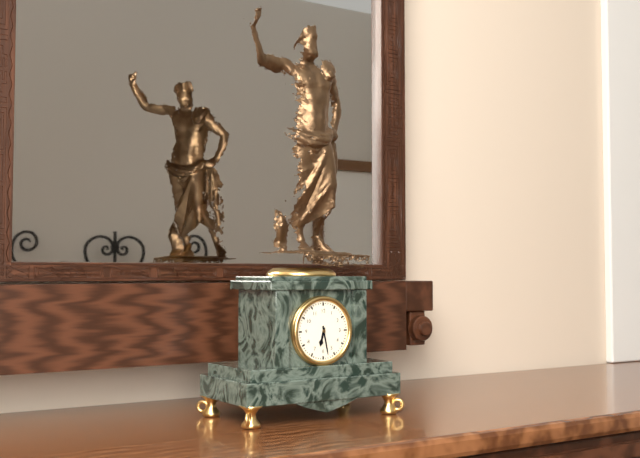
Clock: 6:28
